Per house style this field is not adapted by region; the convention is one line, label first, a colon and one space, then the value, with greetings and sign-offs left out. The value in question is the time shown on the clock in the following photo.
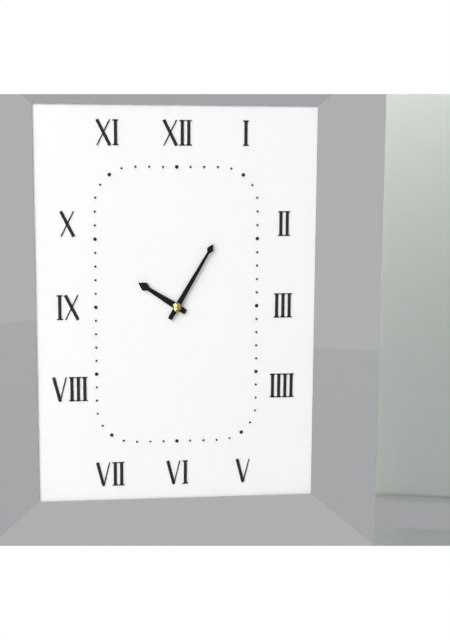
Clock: 10:05
